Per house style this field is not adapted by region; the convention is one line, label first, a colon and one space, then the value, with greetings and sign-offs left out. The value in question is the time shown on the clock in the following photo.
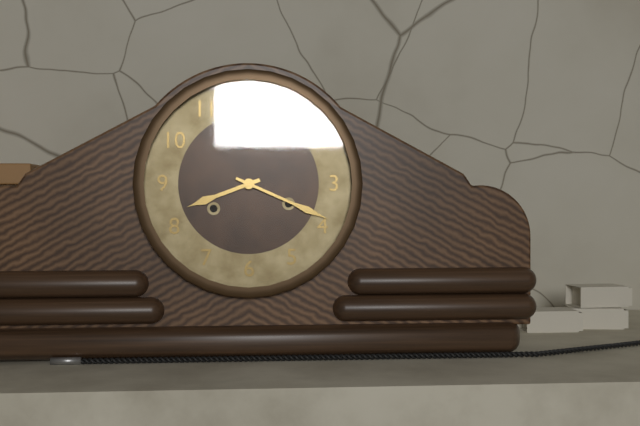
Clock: 8:19
